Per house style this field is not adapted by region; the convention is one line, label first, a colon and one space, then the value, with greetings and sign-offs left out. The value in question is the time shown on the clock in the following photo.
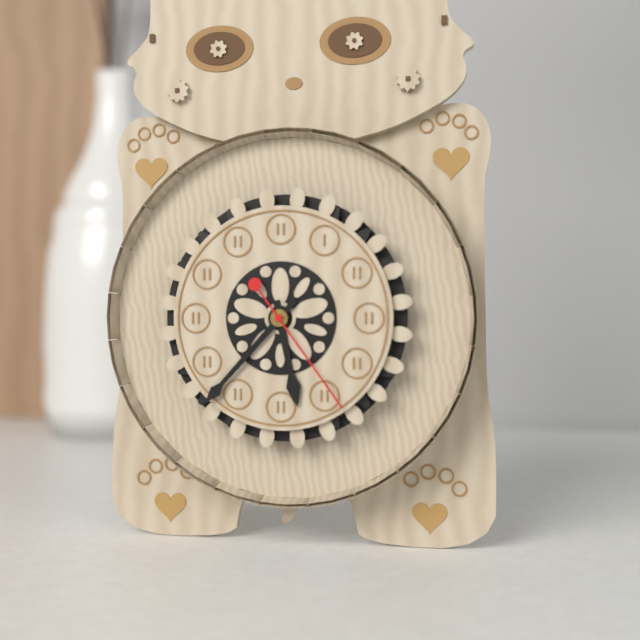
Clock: 5:37:24
